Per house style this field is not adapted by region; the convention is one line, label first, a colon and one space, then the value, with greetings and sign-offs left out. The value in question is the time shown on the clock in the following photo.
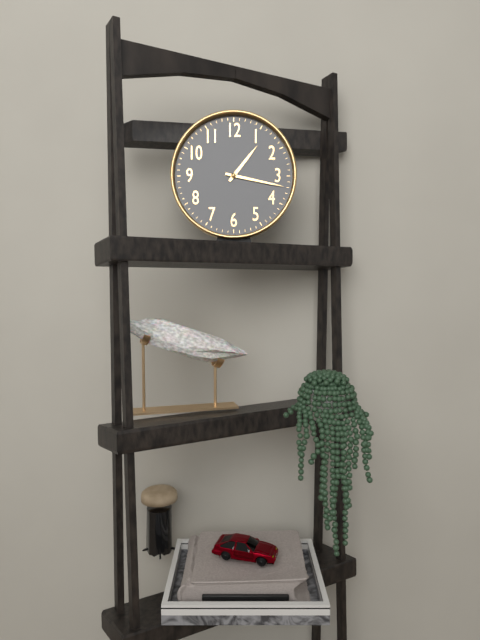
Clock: 1:17
